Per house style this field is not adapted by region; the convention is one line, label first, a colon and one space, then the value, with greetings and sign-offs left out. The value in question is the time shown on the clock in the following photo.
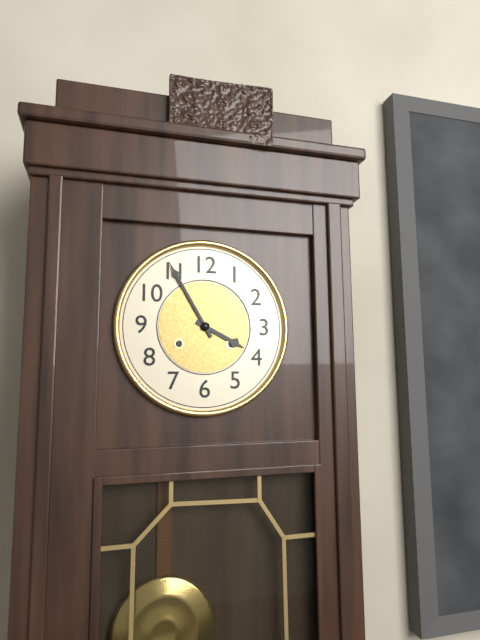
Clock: 3:55
